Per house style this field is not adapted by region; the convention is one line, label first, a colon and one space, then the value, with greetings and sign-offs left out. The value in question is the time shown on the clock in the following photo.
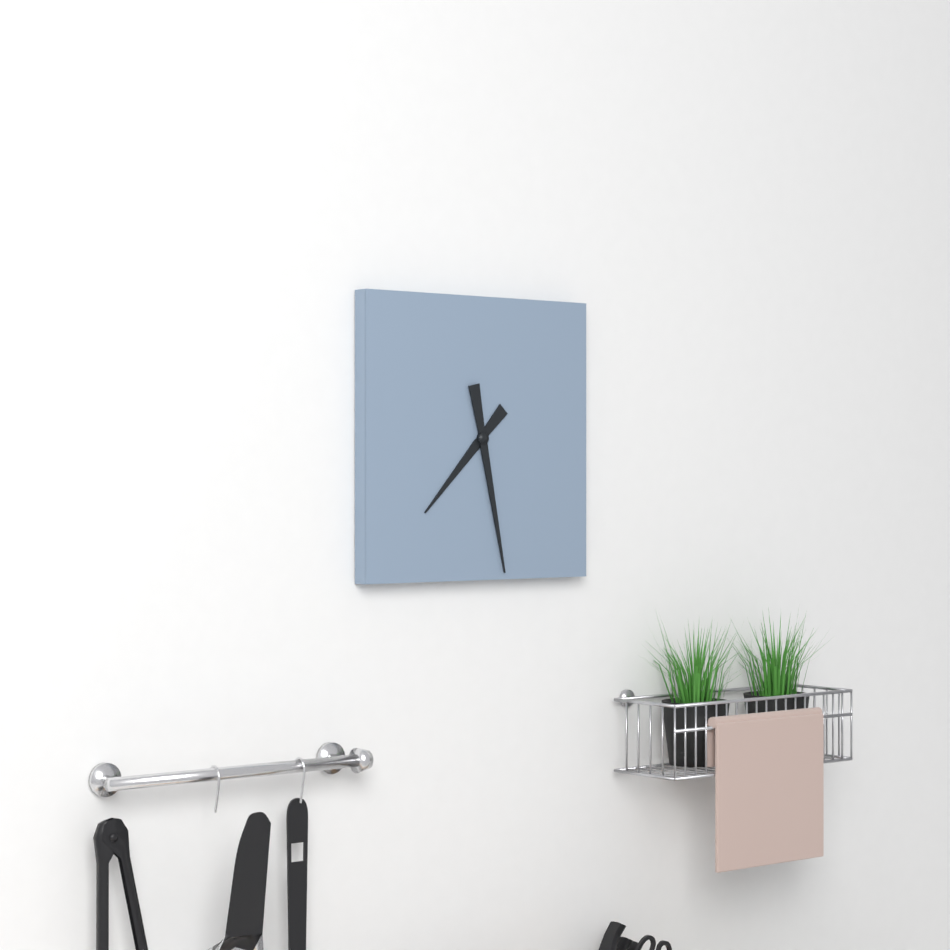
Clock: 7:28
